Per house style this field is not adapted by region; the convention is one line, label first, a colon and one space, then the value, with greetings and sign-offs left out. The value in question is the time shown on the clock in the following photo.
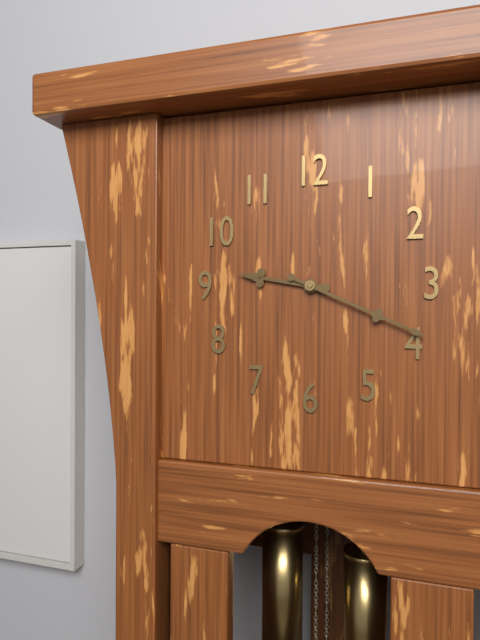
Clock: 9:19
